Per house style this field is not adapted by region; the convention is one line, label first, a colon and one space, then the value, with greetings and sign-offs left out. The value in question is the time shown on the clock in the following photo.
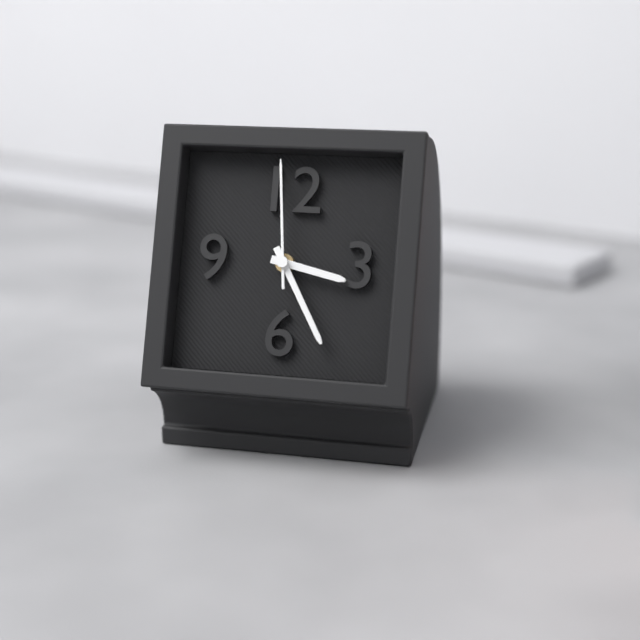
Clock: 3:25:59
